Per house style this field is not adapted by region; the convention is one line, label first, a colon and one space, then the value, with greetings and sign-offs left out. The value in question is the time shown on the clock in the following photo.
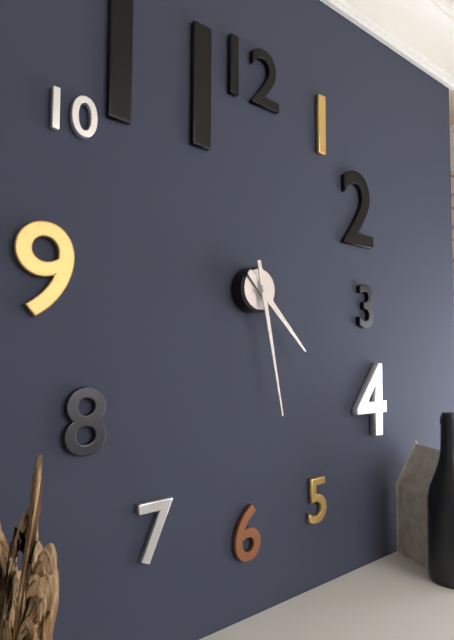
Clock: 4:28
